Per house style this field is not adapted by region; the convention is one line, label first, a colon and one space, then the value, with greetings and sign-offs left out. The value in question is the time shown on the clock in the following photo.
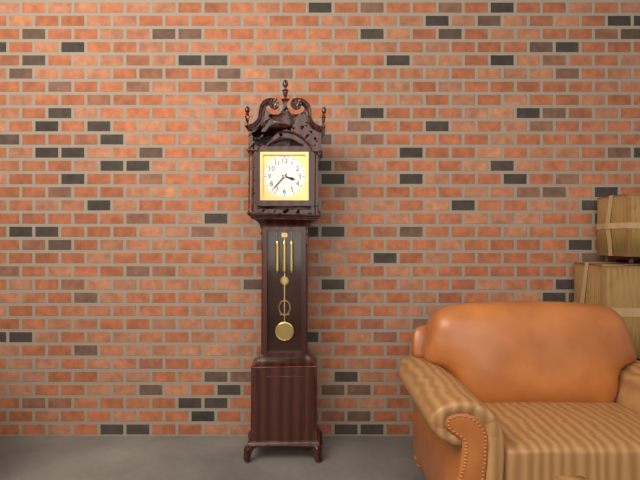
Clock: 3:37
